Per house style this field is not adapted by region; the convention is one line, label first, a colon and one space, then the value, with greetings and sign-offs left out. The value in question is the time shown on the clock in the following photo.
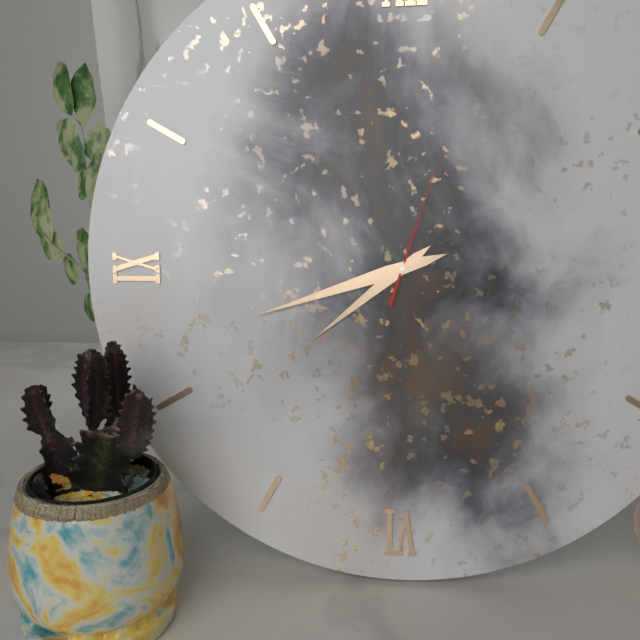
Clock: 7:42:03
